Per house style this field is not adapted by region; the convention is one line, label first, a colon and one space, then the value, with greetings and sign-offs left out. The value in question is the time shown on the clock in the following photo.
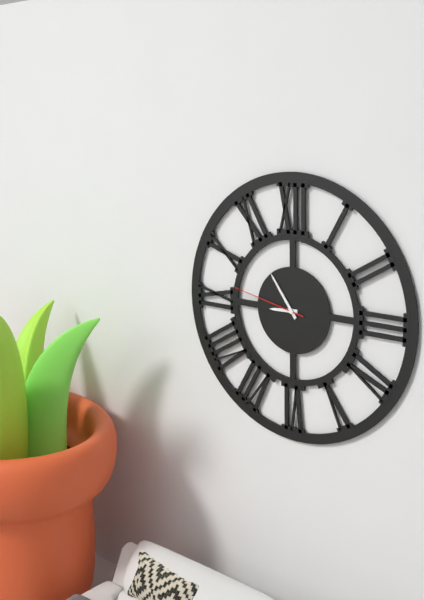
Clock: 8:54:47
